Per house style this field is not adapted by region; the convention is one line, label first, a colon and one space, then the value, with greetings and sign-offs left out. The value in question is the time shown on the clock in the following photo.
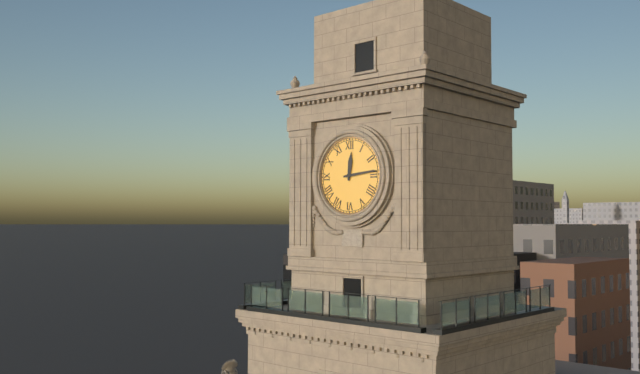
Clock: 12:14
